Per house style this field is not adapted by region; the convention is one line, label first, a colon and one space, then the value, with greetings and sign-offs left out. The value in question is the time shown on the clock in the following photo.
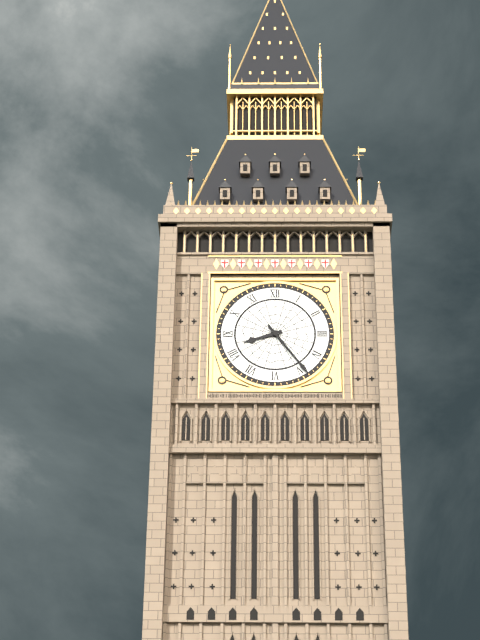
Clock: 8:24
